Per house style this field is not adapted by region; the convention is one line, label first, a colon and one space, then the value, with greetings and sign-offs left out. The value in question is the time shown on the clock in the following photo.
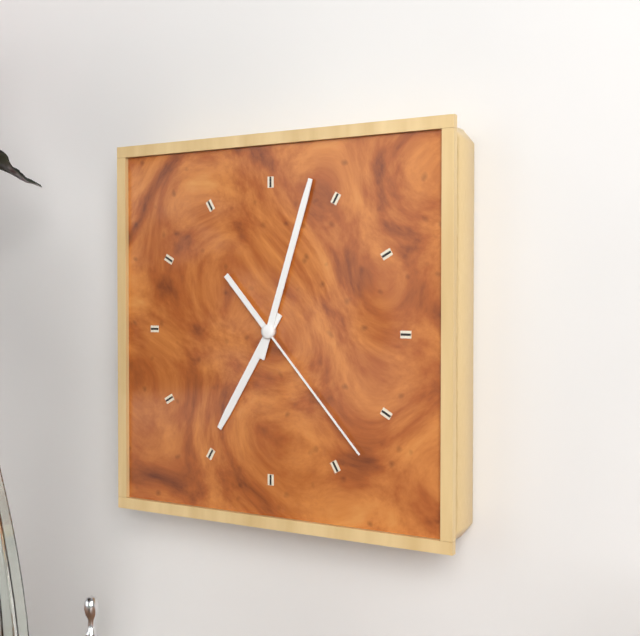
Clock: 7:03:23
